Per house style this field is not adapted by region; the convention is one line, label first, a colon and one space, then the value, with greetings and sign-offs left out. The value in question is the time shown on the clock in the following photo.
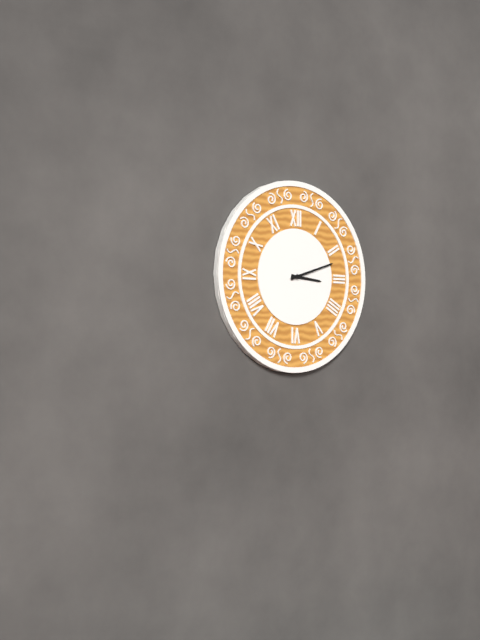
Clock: 3:12
